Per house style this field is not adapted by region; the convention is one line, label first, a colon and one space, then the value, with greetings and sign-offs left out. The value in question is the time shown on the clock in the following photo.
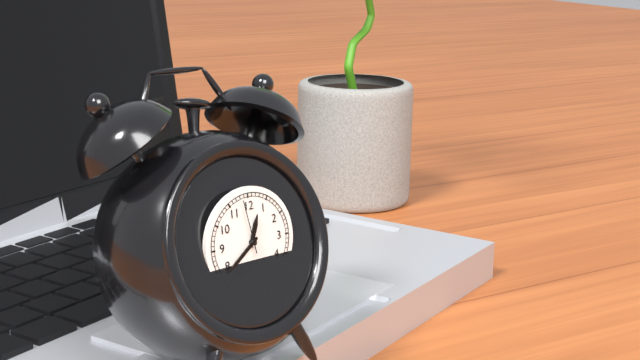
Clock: 12:39:58
